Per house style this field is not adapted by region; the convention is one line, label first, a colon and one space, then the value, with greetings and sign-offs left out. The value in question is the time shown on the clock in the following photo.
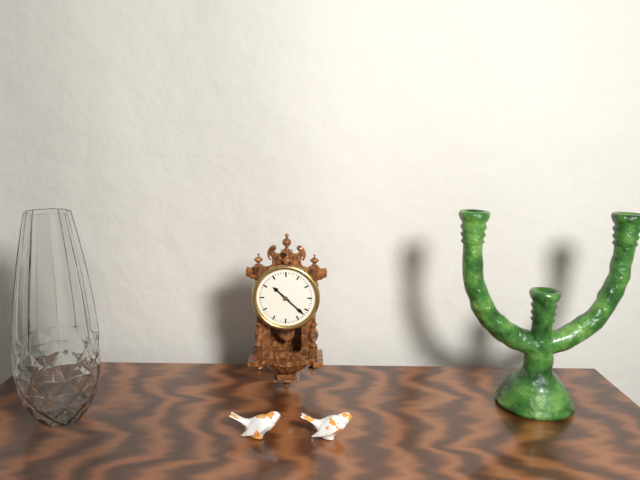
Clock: 10:22
